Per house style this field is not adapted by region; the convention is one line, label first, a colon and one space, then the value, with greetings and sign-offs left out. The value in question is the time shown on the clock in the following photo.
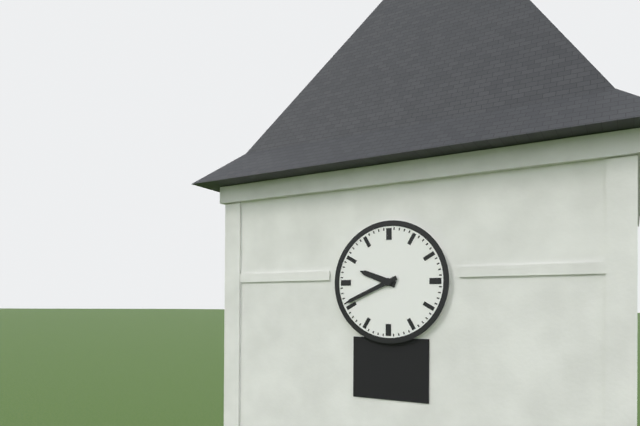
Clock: 9:41
